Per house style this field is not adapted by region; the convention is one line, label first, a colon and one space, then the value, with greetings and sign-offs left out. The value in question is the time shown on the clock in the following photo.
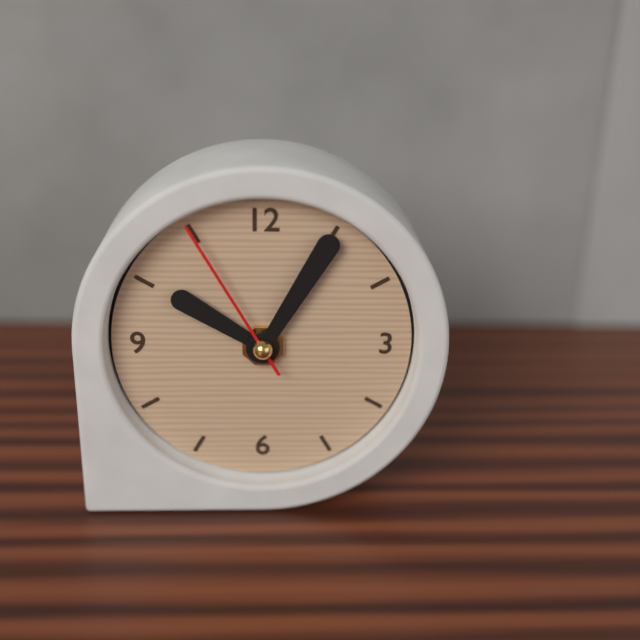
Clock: 10:05:55
